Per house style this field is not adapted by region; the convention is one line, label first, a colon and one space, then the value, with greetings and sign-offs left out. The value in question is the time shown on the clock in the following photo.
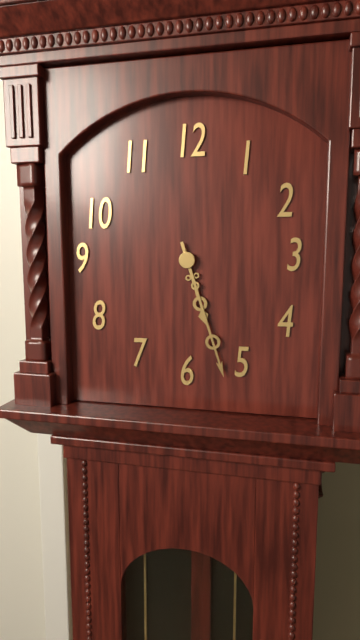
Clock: 5:27
